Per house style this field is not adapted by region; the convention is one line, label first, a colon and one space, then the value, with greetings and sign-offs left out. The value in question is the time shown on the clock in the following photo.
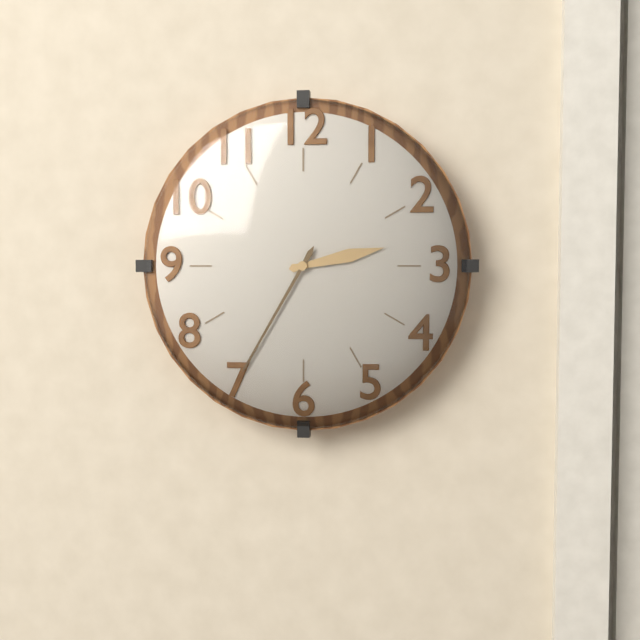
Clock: 2:35
